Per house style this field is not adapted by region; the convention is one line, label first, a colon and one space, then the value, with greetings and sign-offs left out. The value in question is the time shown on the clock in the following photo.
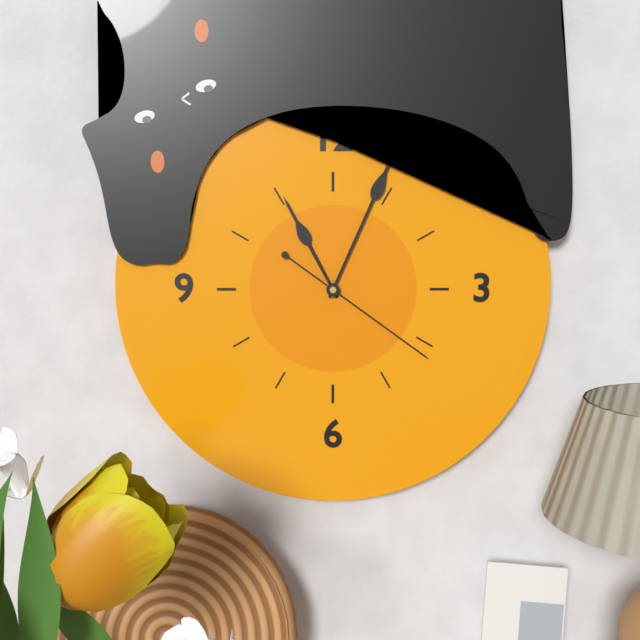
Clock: 11:04:21
